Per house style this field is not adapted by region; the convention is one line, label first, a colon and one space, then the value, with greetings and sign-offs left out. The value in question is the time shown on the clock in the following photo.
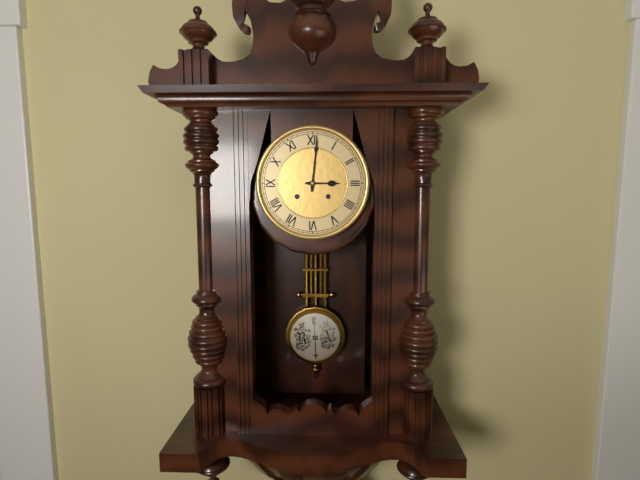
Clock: 3:01
